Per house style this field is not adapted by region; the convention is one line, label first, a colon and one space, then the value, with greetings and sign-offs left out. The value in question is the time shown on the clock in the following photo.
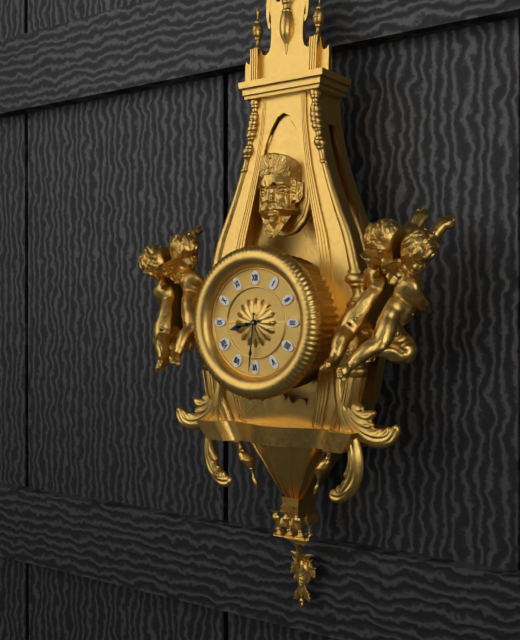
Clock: 8:31
